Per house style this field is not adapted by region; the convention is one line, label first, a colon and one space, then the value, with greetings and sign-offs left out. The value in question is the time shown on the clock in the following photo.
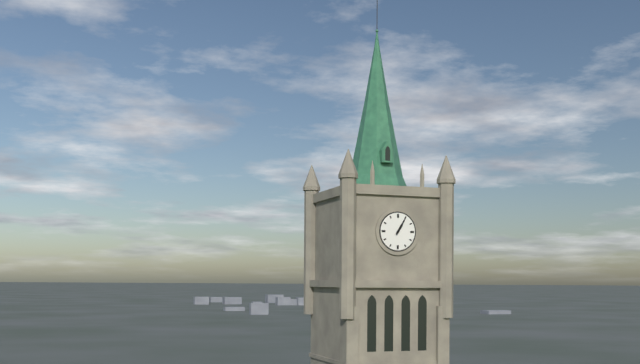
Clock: 1:05
